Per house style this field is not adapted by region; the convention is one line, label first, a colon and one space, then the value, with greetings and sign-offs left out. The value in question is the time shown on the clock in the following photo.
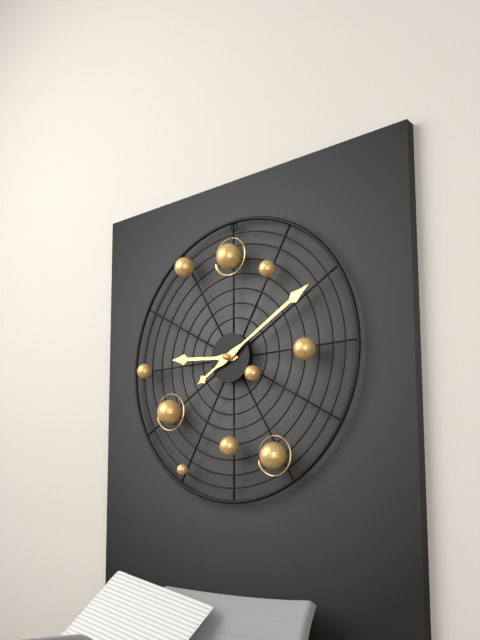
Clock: 9:10
